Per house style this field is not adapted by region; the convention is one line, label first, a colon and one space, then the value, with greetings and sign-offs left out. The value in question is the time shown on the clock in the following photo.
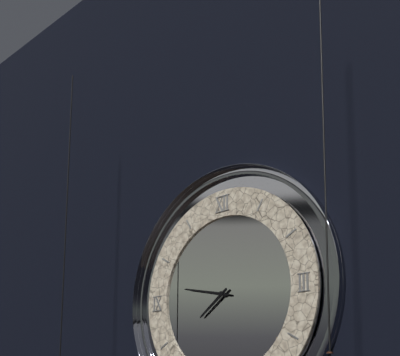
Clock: 7:47
